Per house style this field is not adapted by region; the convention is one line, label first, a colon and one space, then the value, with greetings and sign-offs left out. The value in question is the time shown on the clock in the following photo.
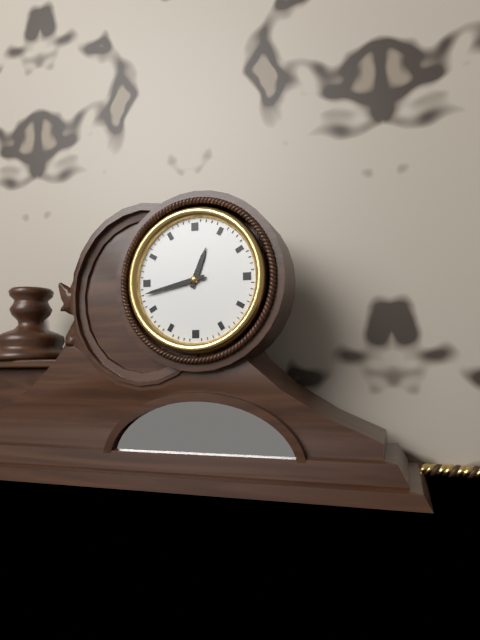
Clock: 12:43
